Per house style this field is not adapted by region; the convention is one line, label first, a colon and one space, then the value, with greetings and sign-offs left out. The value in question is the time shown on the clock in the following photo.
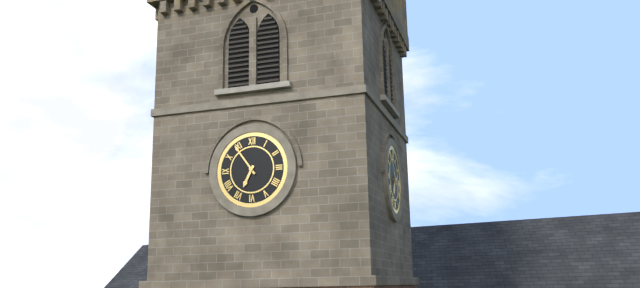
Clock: 6:54
